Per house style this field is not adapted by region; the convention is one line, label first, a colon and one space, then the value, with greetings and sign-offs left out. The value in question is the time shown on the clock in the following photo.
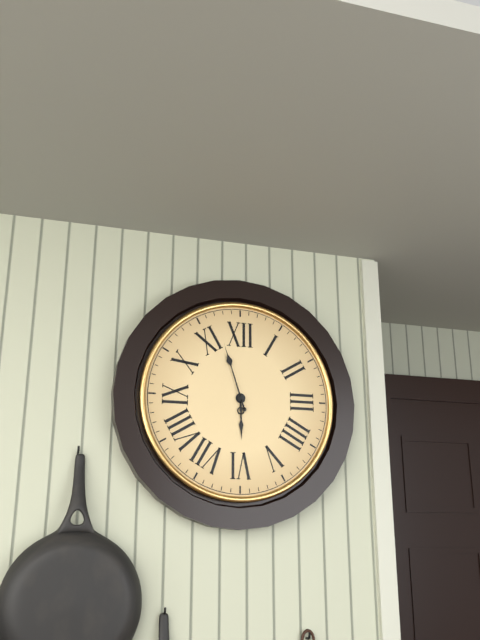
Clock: 5:57
